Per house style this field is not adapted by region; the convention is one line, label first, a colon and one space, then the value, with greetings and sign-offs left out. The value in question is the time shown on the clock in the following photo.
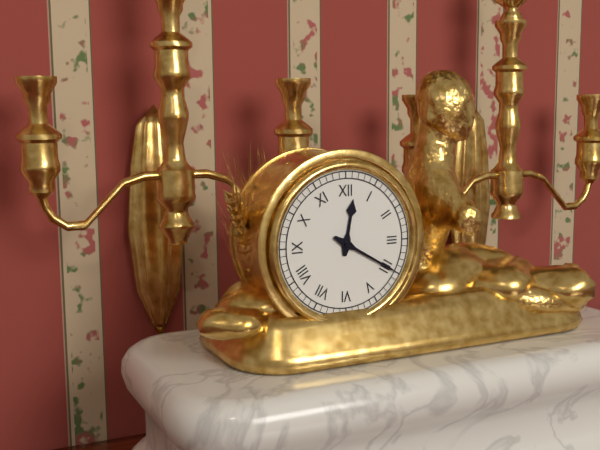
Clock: 12:20
